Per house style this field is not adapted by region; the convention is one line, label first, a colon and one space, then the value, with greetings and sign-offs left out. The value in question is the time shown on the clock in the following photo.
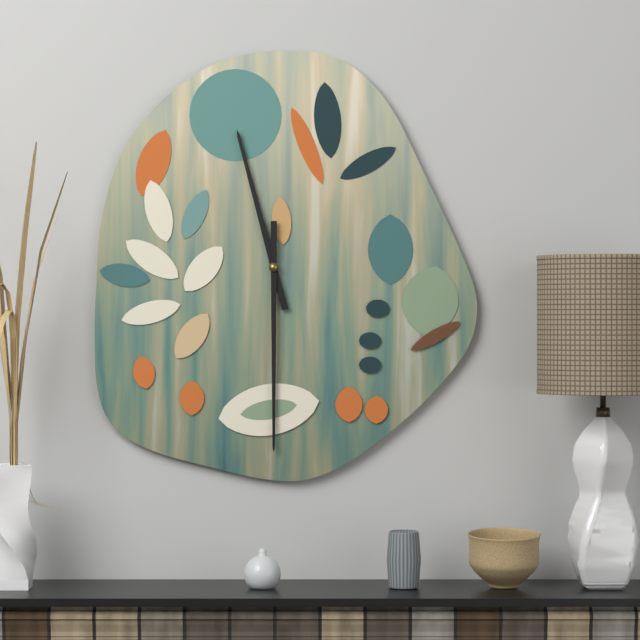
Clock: 11:30
